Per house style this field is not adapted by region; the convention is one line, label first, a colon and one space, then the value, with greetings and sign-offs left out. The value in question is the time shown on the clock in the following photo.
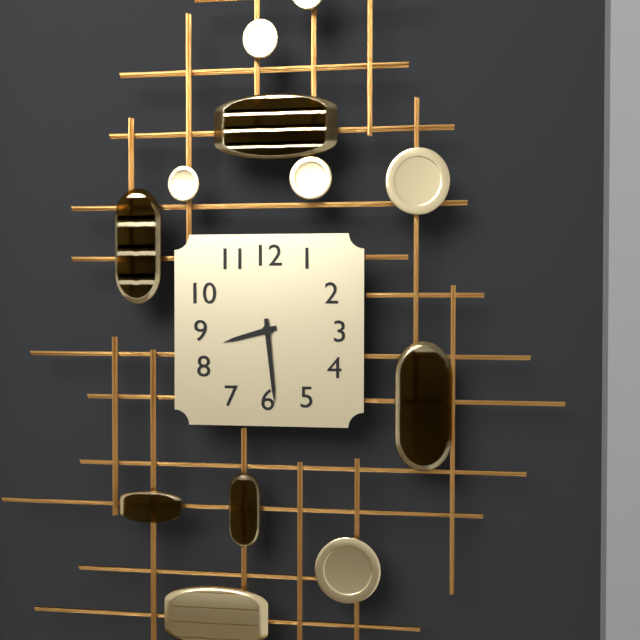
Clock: 8:29
